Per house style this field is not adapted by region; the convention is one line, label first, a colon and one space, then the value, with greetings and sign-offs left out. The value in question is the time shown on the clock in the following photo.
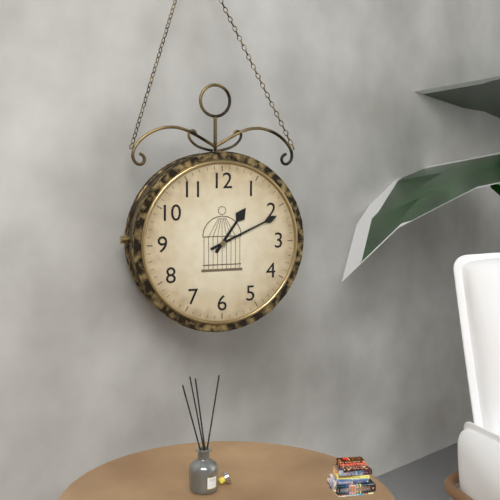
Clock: 1:11
